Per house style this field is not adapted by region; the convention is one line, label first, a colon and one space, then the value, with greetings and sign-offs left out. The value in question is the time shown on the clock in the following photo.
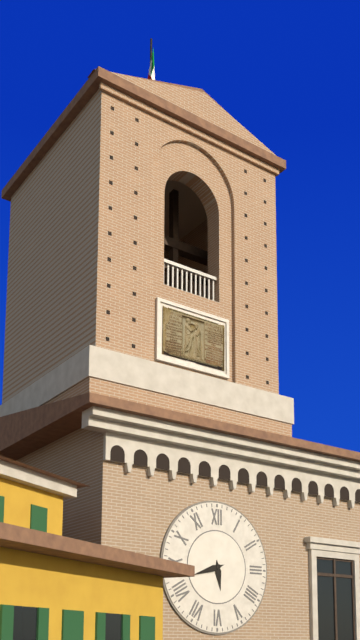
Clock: 5:42
